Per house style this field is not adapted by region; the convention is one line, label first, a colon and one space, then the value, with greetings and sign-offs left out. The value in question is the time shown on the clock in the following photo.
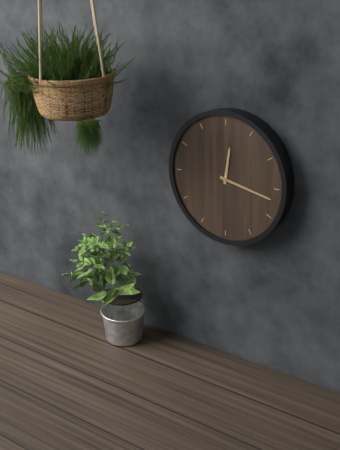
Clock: 12:17
